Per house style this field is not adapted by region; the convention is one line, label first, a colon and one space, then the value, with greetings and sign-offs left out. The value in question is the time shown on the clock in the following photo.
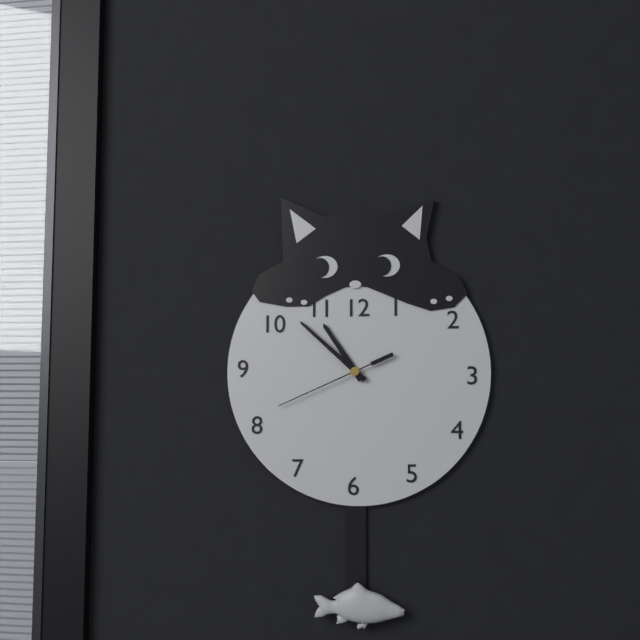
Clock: 10:52:41
